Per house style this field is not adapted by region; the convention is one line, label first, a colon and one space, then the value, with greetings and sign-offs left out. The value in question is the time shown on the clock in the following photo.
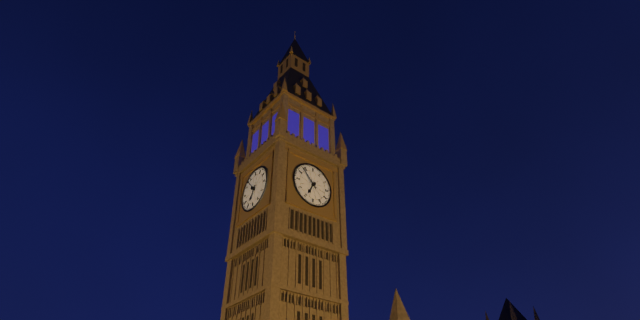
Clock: 6:53
